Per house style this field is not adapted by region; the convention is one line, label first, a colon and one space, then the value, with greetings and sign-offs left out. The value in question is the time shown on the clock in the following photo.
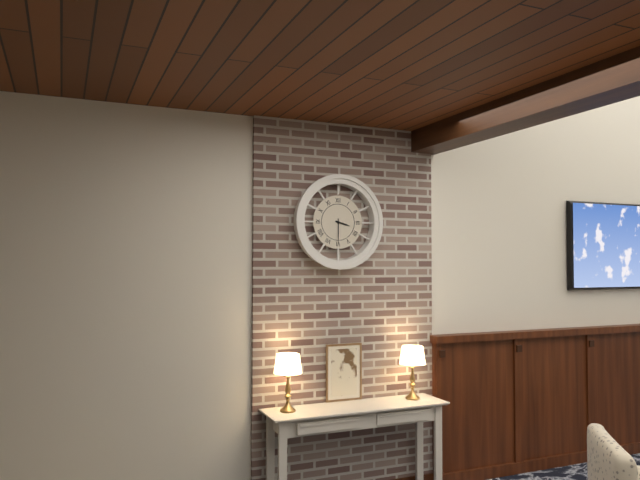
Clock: 3:30
